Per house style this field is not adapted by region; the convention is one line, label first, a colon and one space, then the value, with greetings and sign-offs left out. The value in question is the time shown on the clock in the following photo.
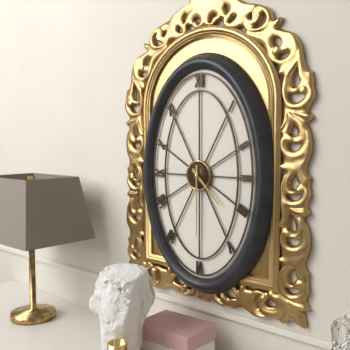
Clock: 4:30
